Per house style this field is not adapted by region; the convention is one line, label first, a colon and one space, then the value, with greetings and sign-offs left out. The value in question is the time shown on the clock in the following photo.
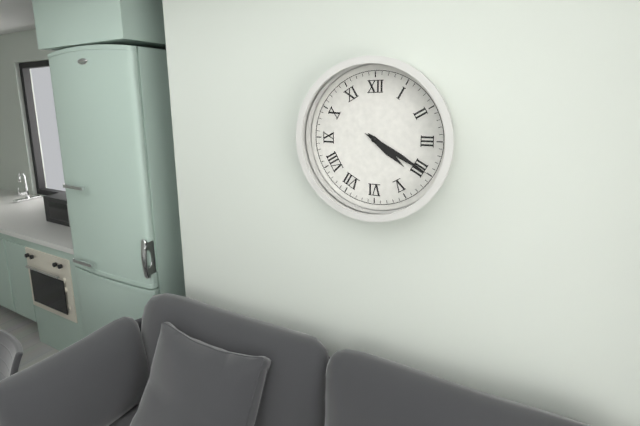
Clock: 4:20
